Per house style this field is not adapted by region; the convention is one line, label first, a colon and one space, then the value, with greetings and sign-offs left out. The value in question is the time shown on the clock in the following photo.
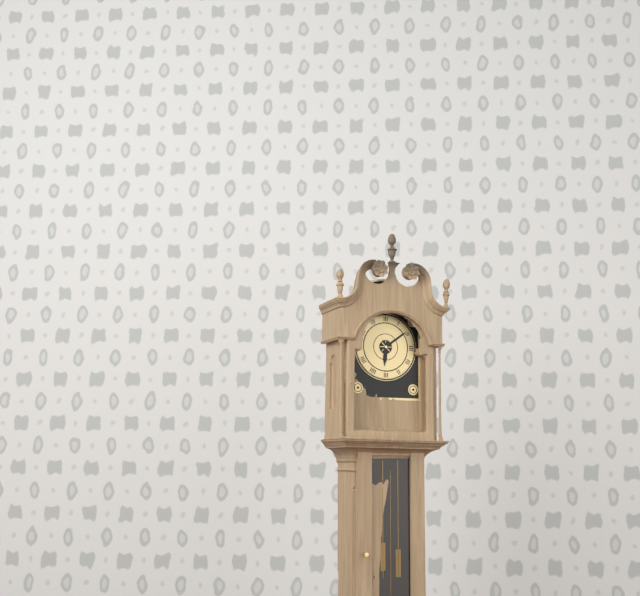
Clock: 6:09
